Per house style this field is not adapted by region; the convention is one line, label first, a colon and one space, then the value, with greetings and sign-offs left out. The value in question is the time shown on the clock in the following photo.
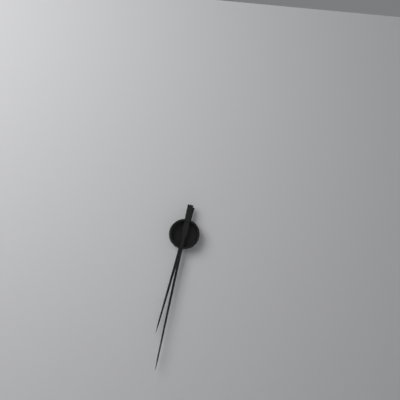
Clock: 6:32
